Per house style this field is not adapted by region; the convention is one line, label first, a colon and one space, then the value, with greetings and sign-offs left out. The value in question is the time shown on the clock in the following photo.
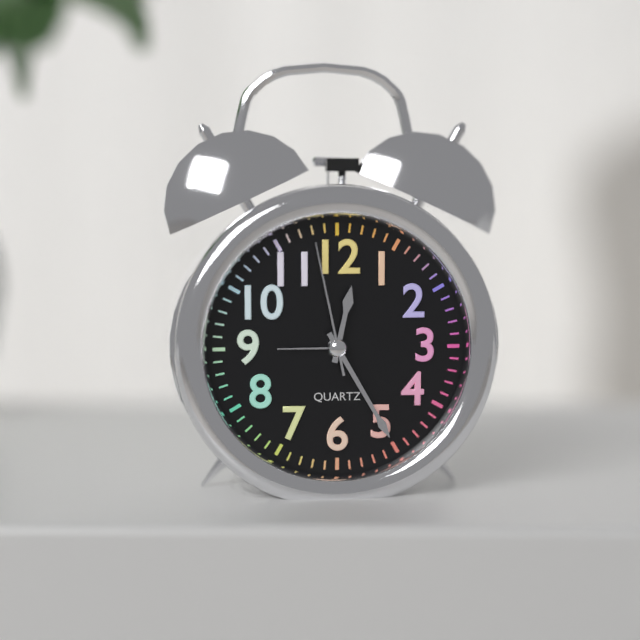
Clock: 12:25:58
